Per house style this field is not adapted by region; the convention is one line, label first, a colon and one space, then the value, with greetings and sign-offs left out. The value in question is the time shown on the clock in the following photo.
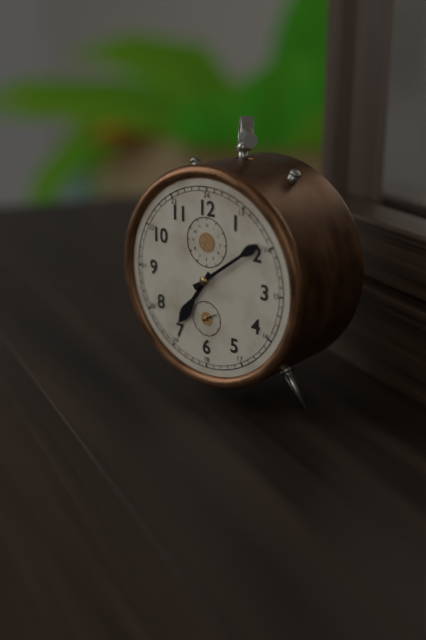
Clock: 7:09
